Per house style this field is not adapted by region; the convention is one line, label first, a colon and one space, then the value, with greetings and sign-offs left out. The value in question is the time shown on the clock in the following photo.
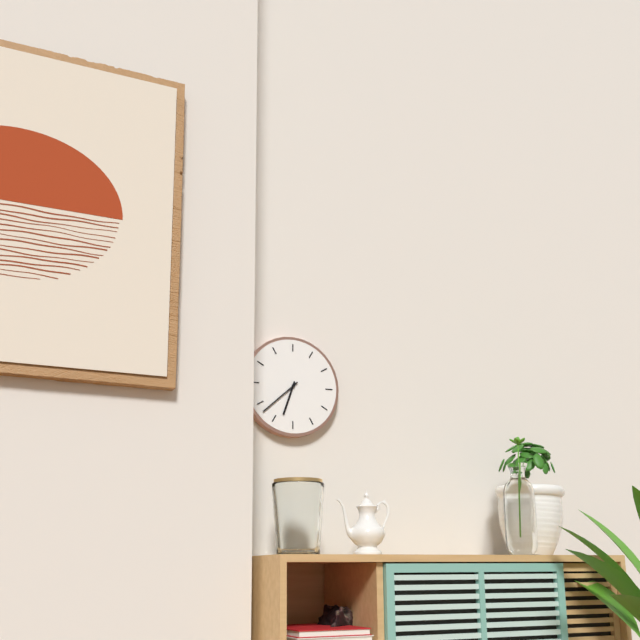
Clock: 6:38
